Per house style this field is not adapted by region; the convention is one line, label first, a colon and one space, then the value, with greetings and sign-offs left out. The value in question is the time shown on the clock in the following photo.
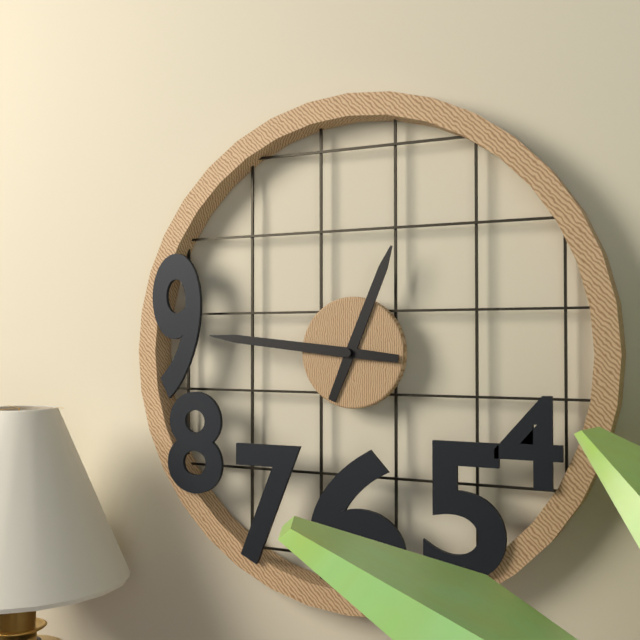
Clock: 12:46
